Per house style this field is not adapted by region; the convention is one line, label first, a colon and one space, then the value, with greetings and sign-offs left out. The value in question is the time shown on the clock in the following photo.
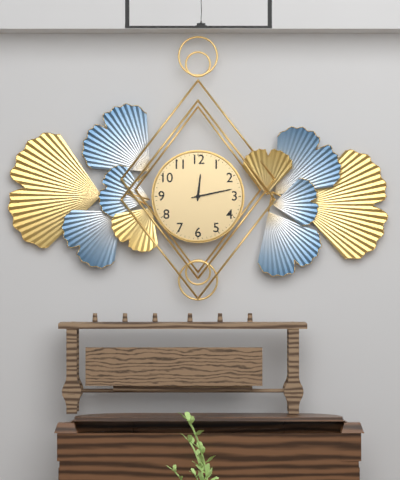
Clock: 12:13
